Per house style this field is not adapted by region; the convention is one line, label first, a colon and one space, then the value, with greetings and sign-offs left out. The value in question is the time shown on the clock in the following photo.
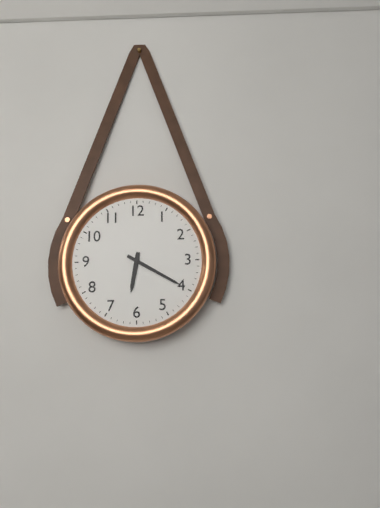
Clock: 6:20
